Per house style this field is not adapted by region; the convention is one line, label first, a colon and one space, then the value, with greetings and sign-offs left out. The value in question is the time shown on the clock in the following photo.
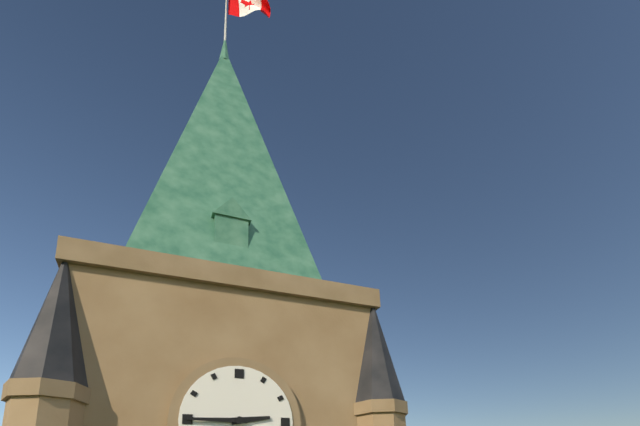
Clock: 2:45
